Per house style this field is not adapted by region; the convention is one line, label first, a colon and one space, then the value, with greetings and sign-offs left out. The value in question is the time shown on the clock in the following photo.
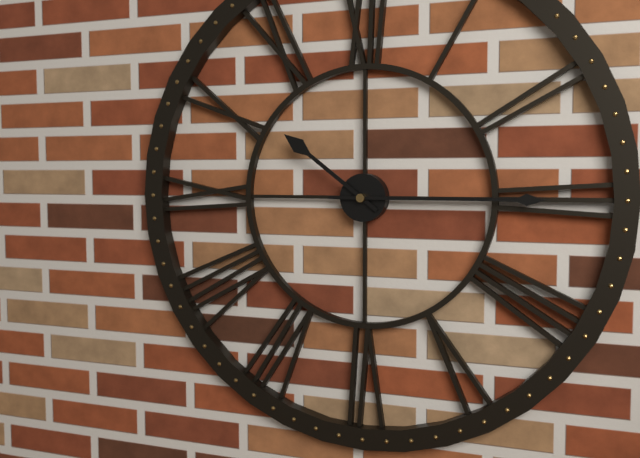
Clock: 10:15
